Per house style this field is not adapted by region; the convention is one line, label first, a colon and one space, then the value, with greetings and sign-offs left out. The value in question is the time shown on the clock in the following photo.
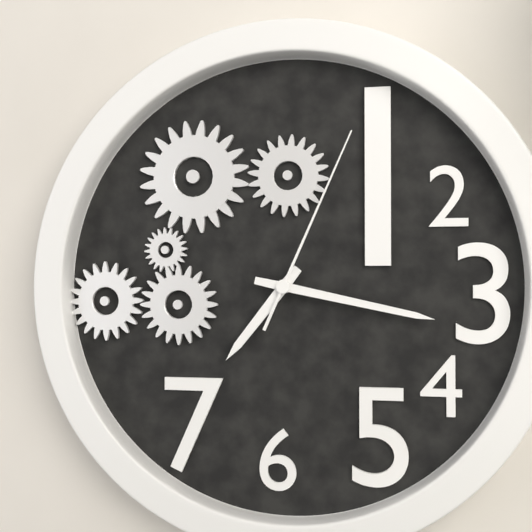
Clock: 7:17:04
